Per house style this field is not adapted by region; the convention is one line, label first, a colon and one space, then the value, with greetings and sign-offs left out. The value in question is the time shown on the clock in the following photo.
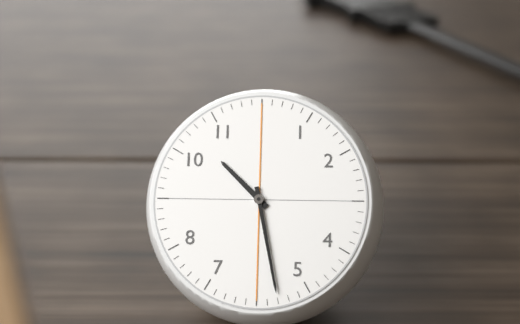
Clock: 10:28
